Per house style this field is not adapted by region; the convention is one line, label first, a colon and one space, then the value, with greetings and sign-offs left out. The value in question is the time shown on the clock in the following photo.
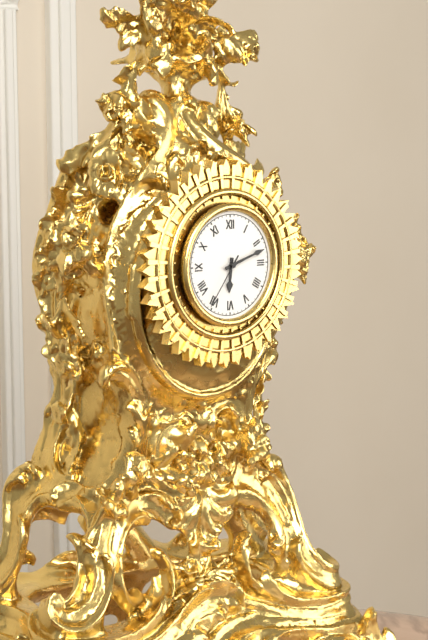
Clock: 6:12:36
